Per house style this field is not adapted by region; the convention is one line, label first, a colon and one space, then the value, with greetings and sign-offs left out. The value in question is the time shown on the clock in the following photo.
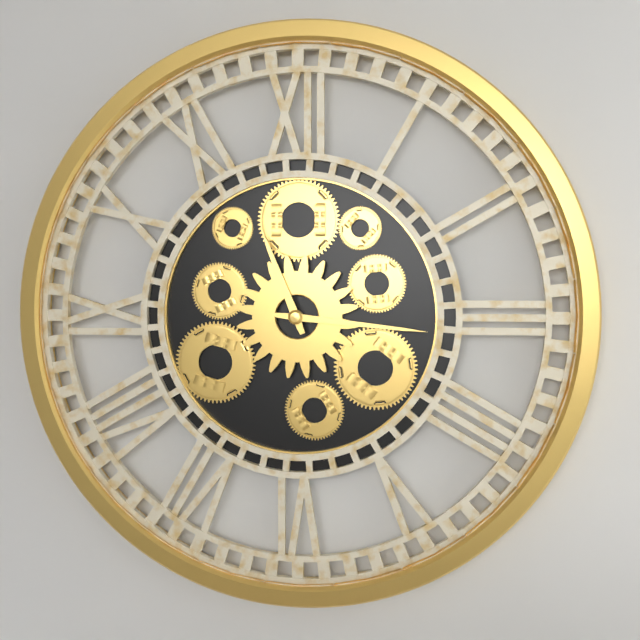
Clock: 11:16
